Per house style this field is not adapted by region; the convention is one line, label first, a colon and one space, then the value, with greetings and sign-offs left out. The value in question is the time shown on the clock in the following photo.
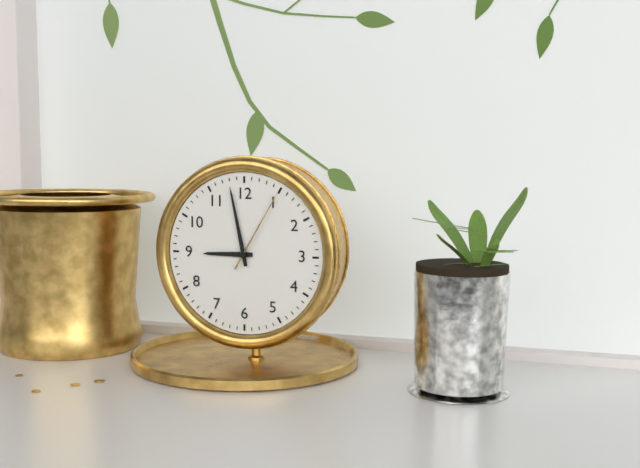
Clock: 8:58:05
